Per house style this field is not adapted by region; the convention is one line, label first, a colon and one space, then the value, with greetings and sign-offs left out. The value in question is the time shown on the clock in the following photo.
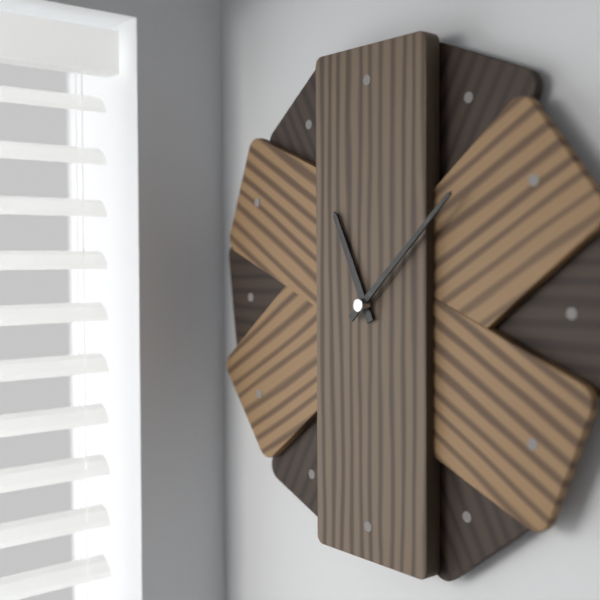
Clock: 11:08
